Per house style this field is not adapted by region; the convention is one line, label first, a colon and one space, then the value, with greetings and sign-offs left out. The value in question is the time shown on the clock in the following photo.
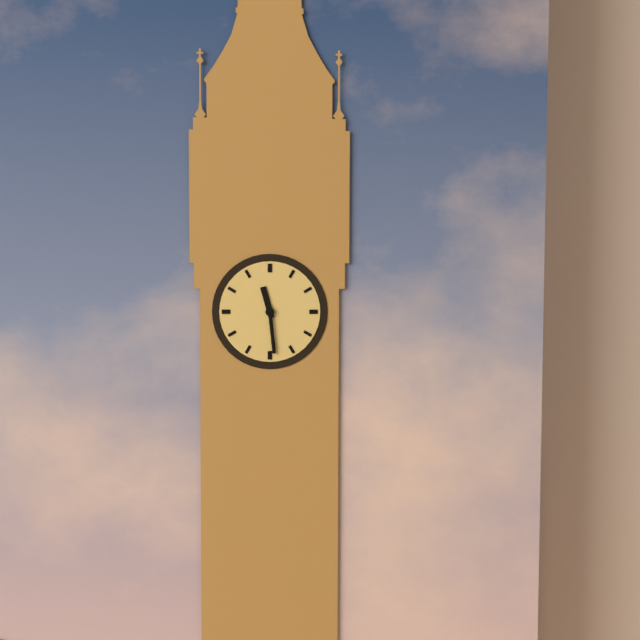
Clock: 11:29
